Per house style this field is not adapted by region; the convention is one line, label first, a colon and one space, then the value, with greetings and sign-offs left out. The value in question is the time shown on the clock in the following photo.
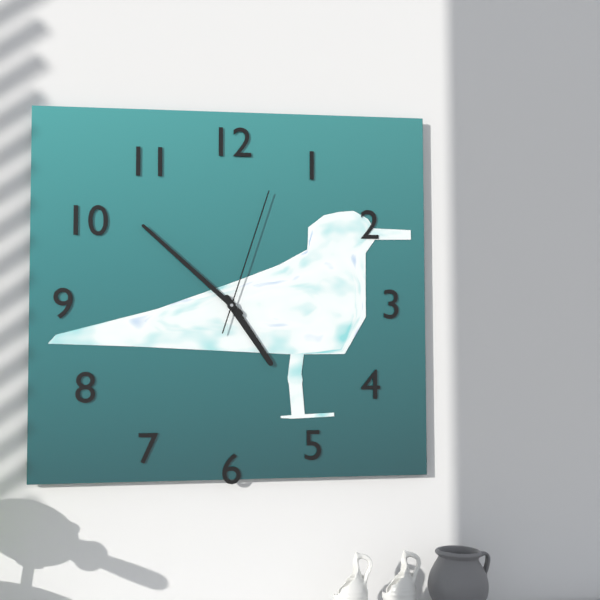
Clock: 4:52:03
